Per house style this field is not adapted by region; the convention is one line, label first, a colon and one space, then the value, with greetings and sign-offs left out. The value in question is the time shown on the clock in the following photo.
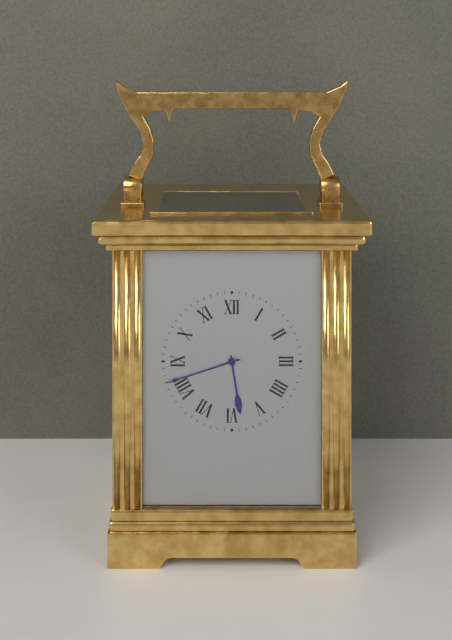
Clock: 5:42
